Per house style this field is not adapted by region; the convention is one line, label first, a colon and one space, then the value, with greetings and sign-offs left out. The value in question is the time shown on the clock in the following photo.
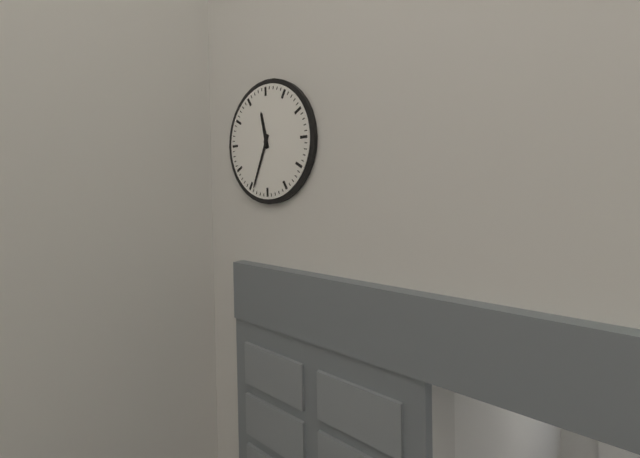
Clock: 11:34
